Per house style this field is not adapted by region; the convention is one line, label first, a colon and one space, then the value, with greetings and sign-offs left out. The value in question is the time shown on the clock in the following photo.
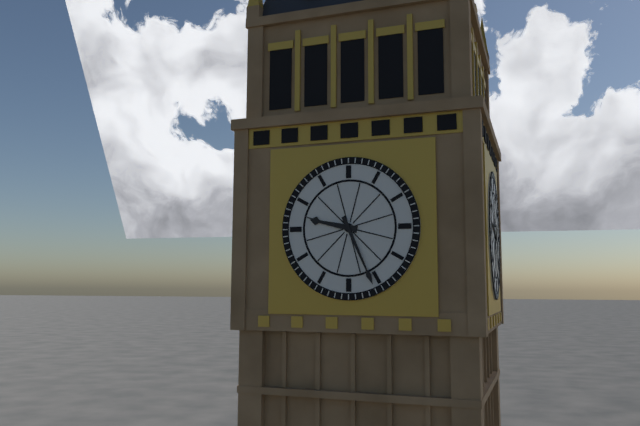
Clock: 9:26
